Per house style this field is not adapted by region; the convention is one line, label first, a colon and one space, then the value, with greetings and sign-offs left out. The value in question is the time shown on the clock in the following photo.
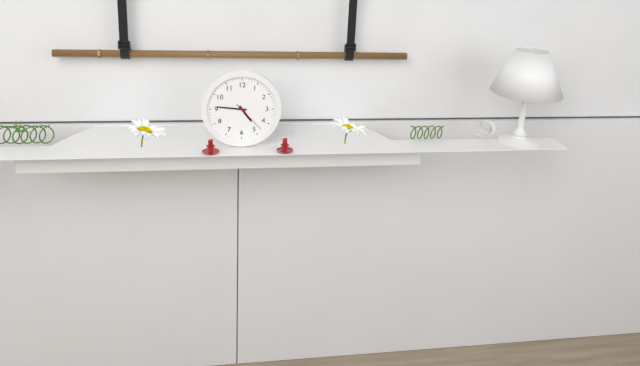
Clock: 4:46
